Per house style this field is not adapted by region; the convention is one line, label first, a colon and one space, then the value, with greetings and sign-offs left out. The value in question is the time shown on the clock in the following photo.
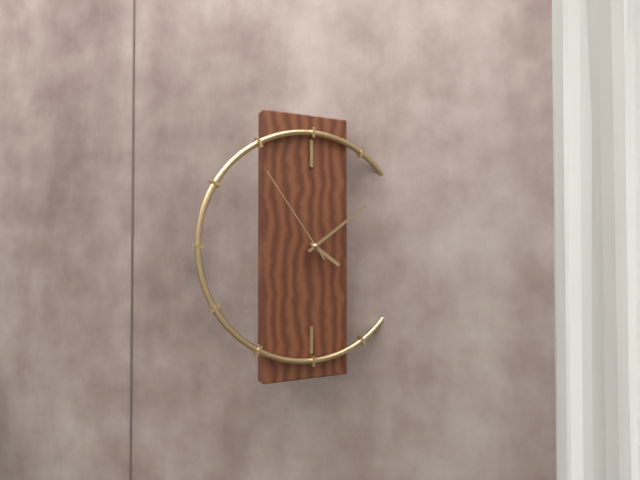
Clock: 4:09:54
